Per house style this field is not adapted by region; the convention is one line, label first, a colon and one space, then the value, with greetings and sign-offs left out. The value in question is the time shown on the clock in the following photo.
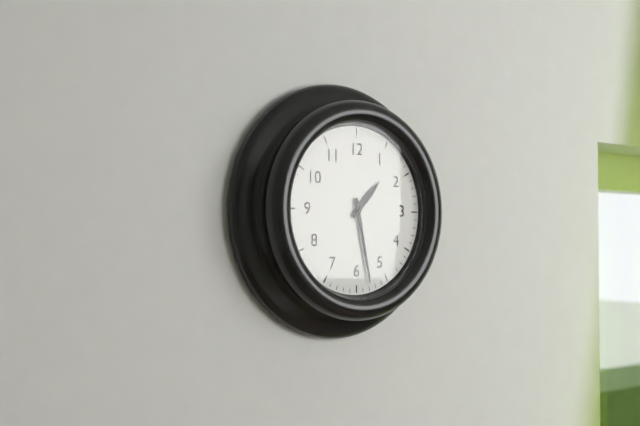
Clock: 1:28
